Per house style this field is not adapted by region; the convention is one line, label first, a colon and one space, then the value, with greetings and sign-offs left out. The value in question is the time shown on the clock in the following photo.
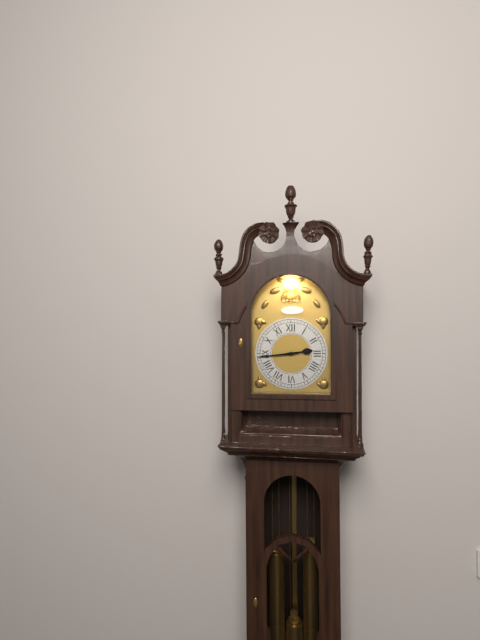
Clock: 2:44
